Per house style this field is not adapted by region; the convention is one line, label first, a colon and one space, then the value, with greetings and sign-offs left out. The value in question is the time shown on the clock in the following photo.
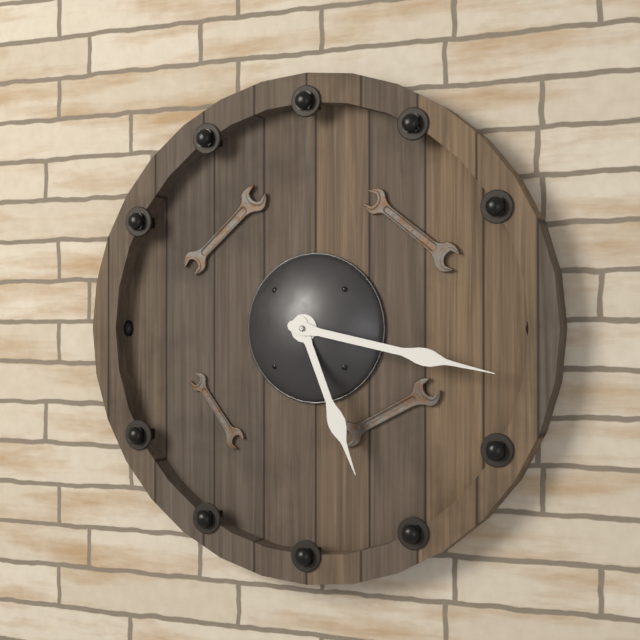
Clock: 5:17
